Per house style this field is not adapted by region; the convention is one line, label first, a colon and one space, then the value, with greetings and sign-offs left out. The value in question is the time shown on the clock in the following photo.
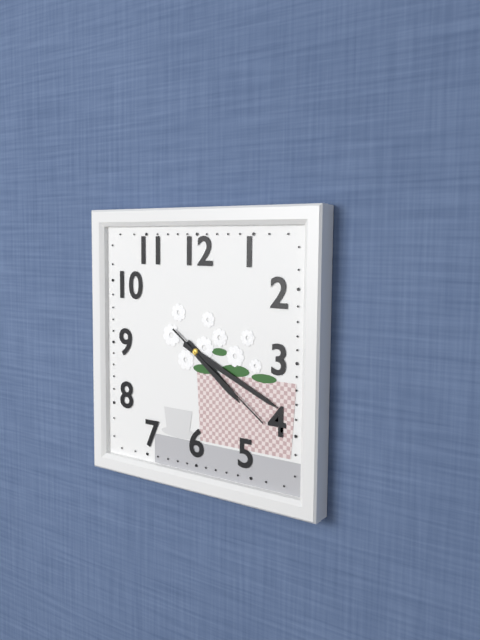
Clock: 4:19:21
